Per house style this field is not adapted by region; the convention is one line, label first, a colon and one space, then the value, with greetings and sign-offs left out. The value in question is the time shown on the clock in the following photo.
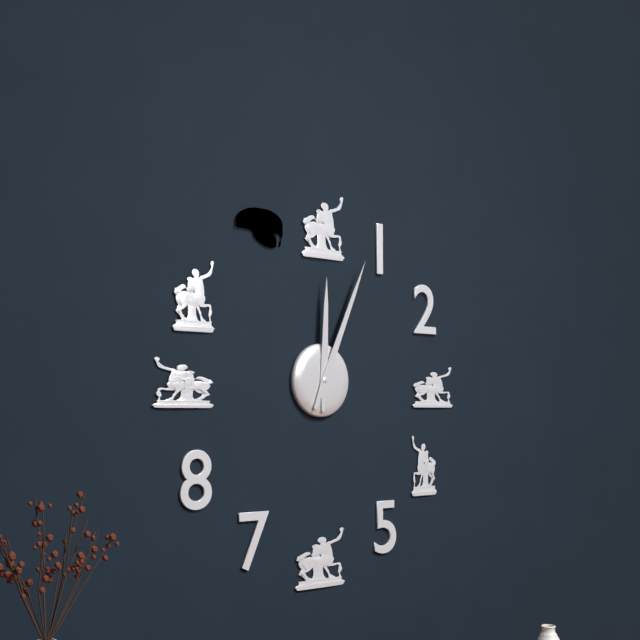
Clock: 12:04
